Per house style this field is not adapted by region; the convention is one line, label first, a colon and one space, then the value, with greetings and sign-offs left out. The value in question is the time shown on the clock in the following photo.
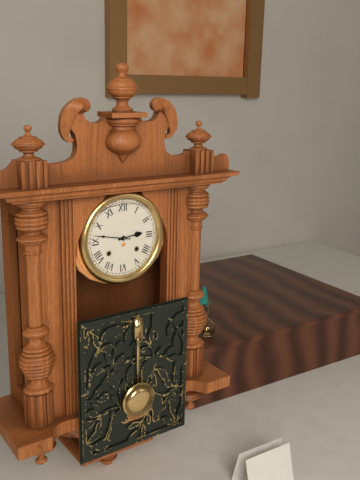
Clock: 2:47
